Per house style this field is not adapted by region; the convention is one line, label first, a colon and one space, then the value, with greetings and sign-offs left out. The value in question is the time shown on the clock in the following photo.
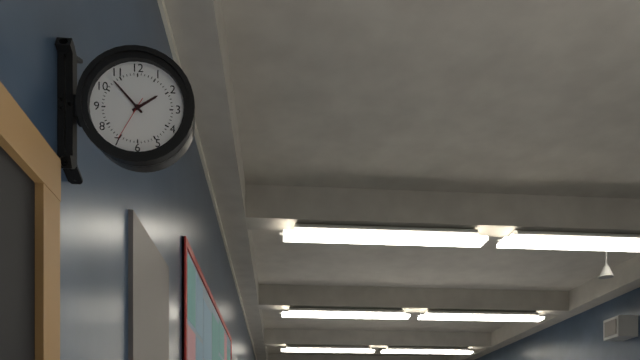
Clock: 1:53
